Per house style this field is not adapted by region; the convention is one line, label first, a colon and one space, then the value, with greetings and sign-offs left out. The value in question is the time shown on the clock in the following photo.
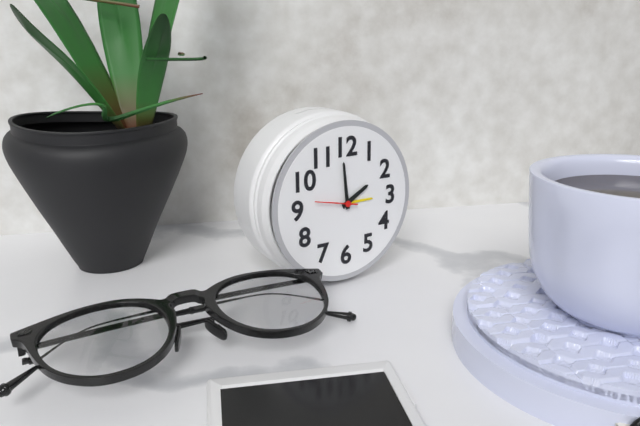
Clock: 1:59
